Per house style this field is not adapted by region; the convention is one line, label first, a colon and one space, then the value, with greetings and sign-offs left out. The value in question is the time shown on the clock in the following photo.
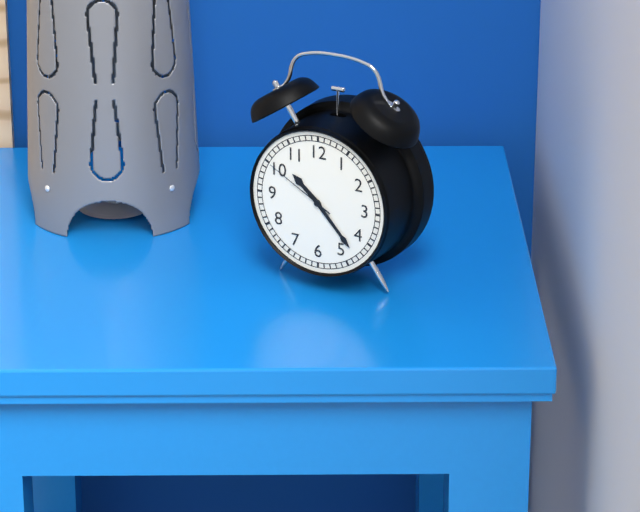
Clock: 10:23:50
